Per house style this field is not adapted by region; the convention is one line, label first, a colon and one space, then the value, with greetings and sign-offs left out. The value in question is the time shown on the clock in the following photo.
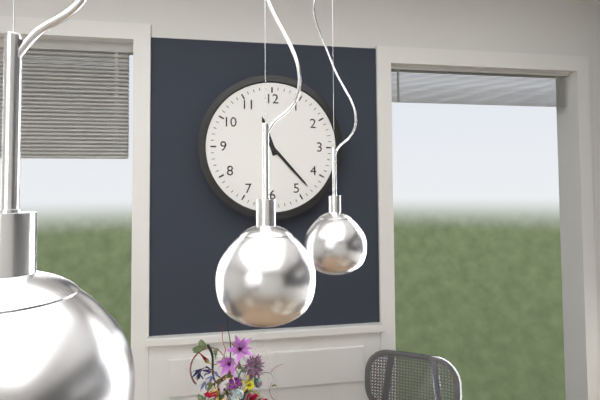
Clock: 11:23
